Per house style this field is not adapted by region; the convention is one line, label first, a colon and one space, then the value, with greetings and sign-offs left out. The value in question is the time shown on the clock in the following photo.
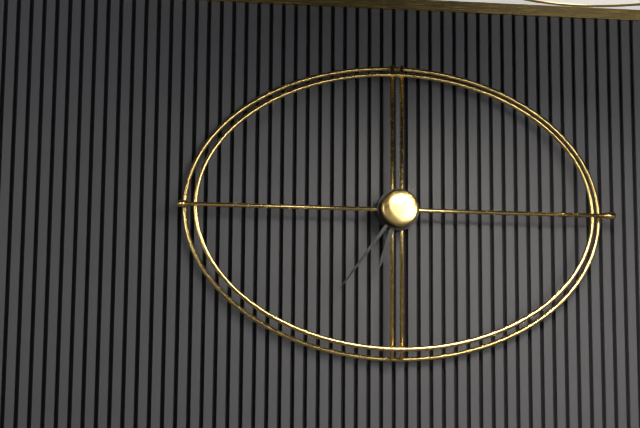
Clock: 6:36
